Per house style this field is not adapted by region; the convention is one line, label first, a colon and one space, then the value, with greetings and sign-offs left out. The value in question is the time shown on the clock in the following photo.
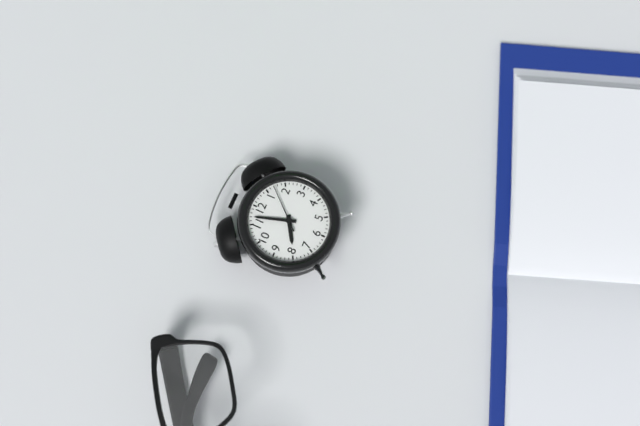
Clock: 7:57
